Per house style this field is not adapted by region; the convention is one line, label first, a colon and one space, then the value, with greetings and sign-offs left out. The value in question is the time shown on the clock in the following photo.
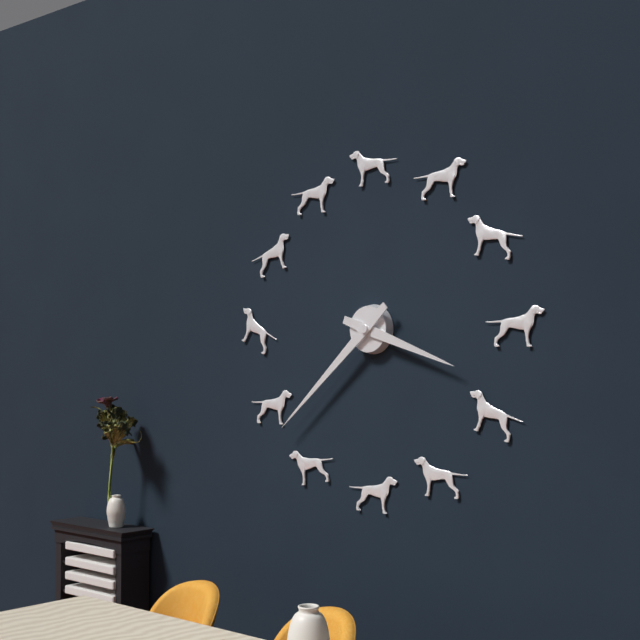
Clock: 3:38
